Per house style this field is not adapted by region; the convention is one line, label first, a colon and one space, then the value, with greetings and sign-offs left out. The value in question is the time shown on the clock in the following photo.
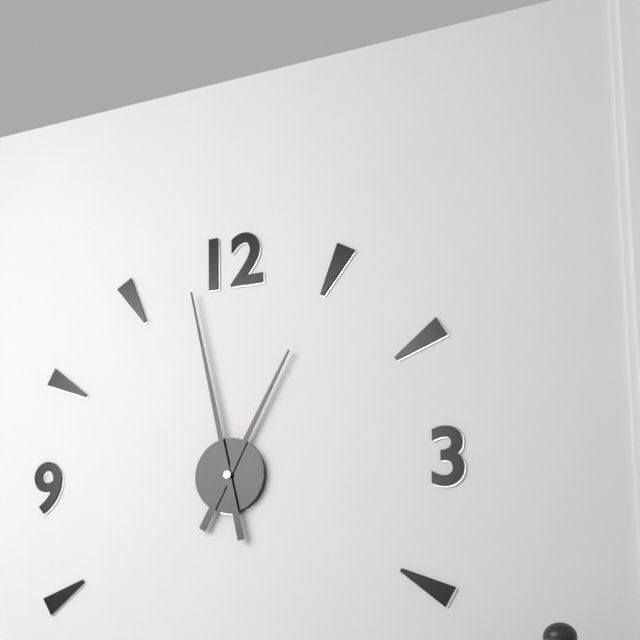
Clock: 12:58
